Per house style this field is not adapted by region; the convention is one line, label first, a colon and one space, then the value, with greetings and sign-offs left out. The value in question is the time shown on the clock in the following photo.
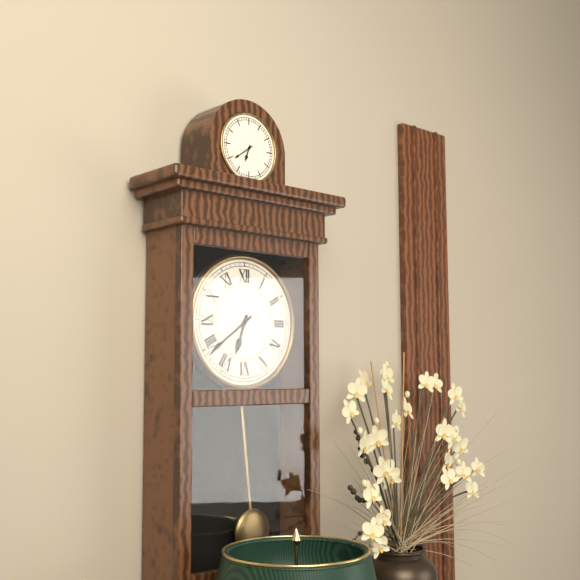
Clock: 6:39
